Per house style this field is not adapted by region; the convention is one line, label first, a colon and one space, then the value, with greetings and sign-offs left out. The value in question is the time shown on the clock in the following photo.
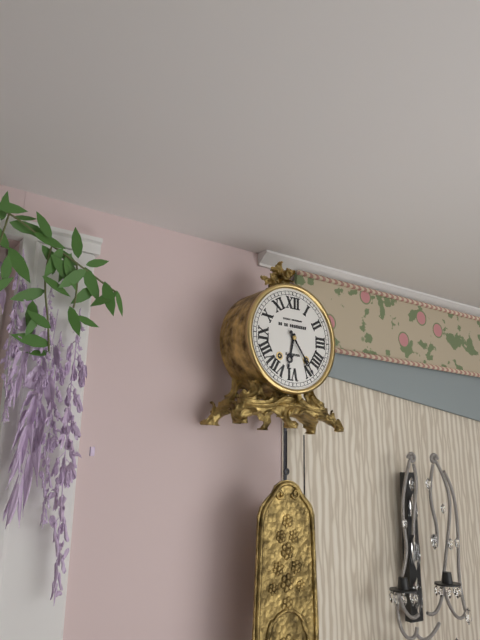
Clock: 6:24
